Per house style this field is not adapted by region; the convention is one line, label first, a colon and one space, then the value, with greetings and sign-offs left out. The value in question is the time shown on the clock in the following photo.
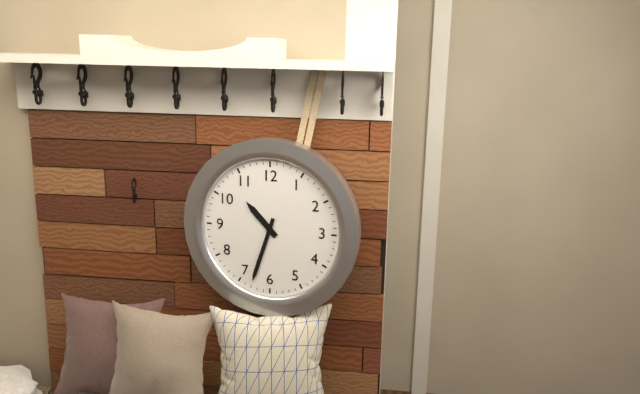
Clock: 10:33
